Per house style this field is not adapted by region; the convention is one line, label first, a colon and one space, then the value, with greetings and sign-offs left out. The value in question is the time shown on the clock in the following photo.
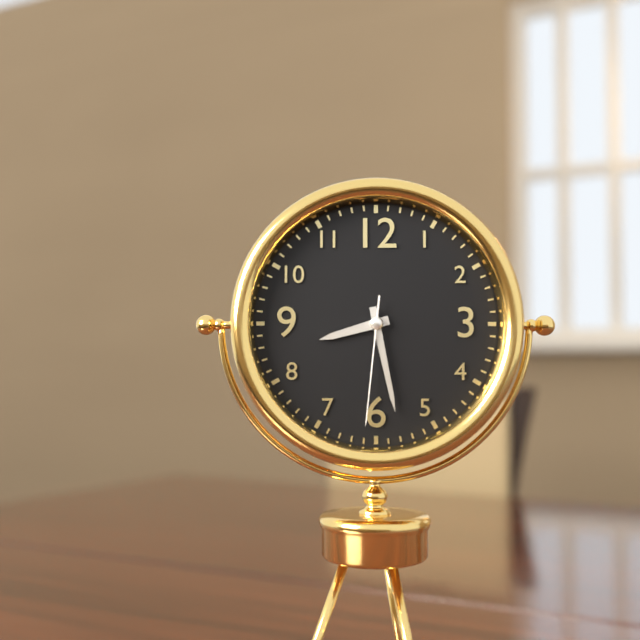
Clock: 8:28:31
